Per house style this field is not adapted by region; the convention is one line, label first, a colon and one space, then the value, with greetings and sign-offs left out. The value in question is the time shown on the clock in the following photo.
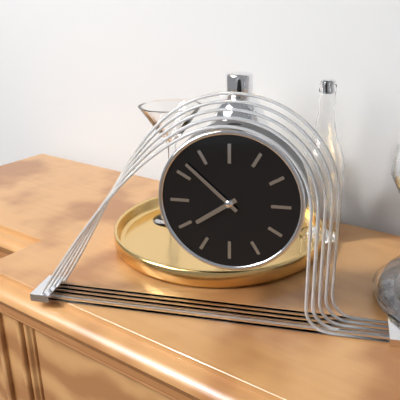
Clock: 7:52
